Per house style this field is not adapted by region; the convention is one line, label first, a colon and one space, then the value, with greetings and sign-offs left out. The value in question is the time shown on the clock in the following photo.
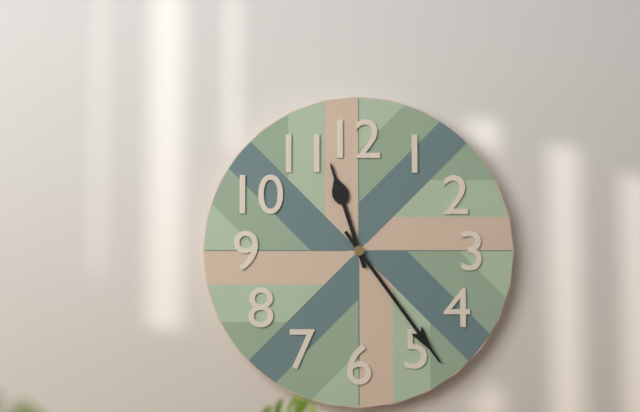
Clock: 11:24
